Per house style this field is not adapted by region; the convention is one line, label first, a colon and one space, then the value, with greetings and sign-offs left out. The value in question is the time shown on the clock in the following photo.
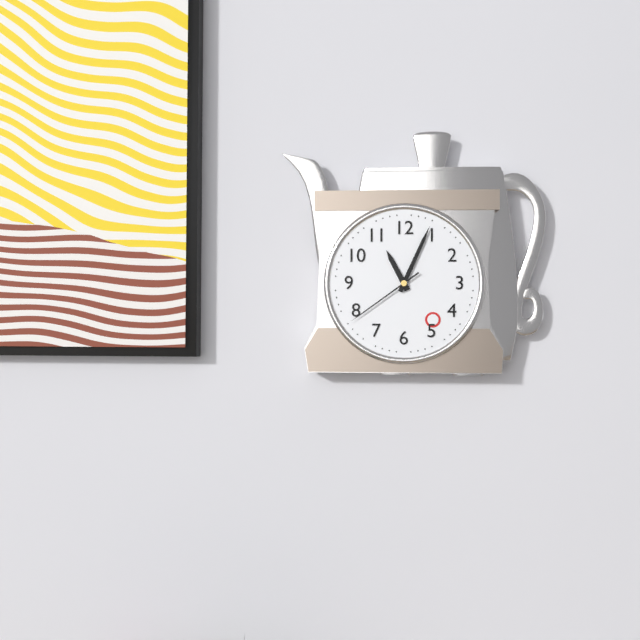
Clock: 11:04:39
